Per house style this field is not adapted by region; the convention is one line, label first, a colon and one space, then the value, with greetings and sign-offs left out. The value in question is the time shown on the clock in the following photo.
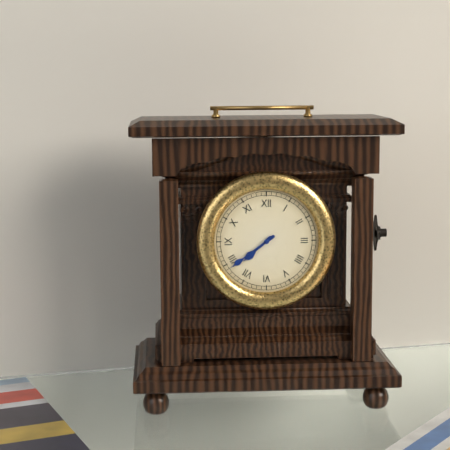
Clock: 7:39
